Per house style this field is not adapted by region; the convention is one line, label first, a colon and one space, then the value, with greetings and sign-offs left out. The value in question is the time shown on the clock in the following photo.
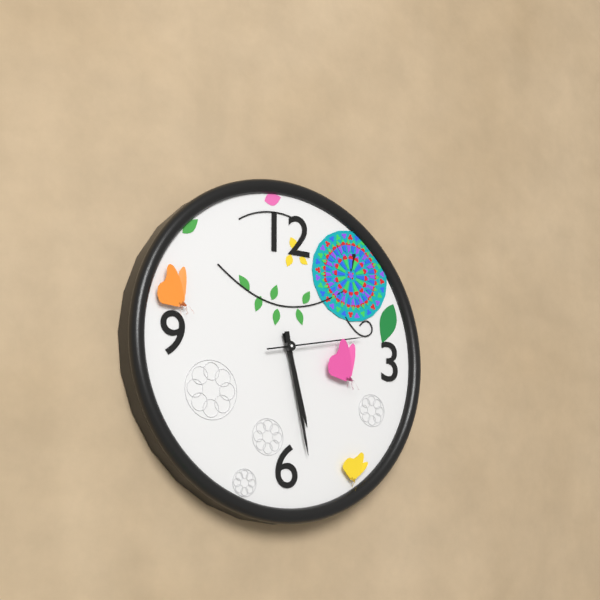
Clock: 5:28:13
